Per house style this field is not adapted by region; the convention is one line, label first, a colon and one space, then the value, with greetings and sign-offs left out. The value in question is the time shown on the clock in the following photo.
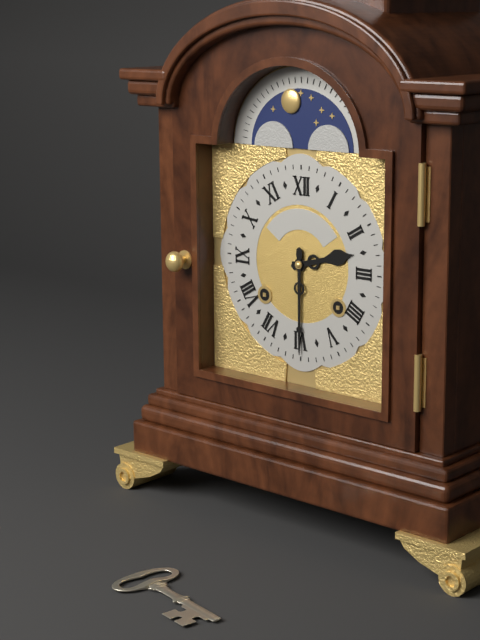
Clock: 2:30
